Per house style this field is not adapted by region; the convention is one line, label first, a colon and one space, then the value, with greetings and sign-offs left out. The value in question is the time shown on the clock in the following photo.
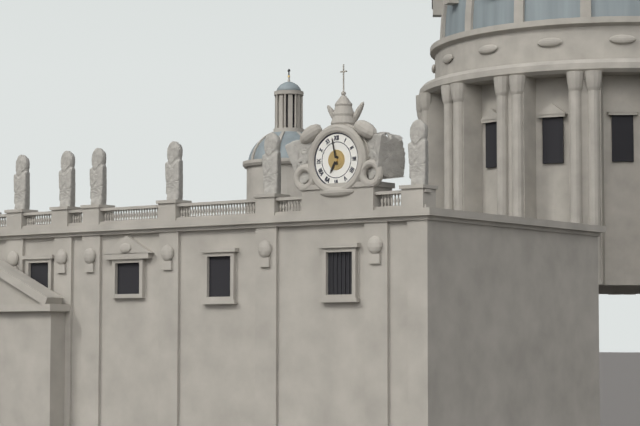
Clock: 6:58
